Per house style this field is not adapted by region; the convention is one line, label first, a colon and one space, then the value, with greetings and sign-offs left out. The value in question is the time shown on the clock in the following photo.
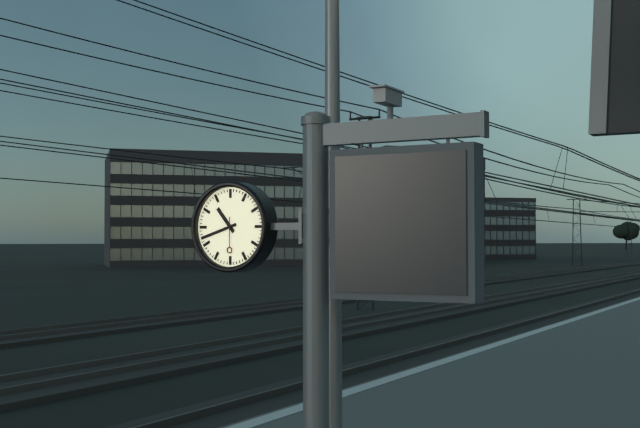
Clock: 10:42
